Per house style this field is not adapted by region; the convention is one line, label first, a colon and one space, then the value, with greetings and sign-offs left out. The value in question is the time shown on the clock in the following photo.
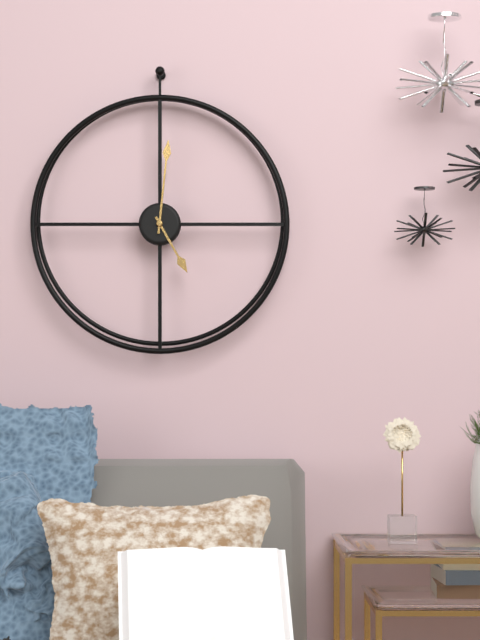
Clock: 5:01
